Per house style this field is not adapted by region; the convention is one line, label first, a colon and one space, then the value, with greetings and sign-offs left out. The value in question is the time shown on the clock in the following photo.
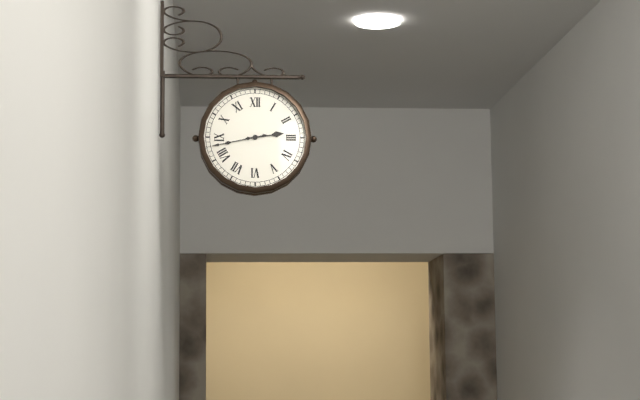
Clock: 2:43
